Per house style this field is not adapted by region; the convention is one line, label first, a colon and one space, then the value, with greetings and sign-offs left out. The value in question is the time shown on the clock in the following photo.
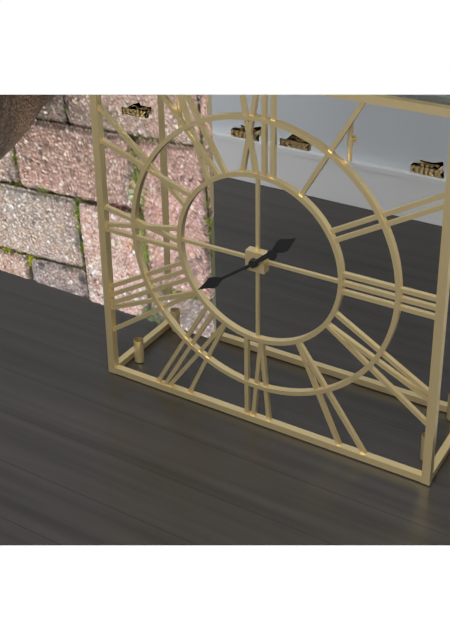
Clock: 1:39
